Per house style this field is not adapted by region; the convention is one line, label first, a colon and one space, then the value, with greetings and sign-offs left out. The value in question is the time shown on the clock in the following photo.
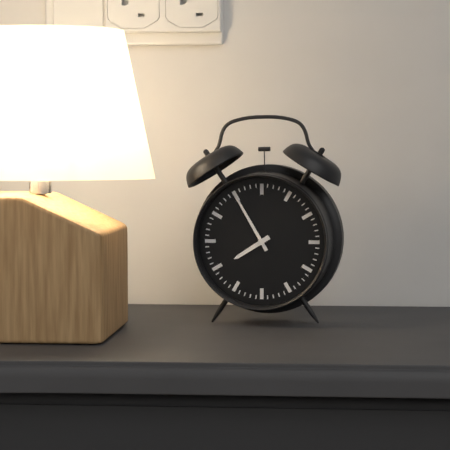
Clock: 7:55
